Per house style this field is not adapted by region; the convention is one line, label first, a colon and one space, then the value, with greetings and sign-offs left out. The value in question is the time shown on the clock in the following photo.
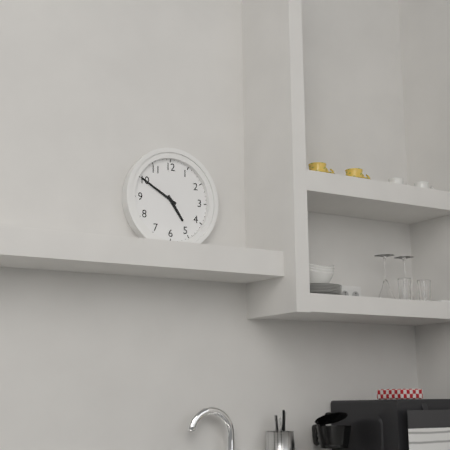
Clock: 4:50
